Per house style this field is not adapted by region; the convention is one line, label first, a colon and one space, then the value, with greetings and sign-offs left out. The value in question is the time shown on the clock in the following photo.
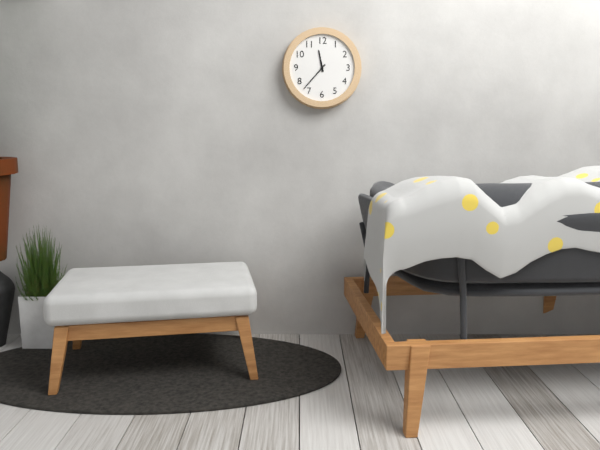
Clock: 11:37
